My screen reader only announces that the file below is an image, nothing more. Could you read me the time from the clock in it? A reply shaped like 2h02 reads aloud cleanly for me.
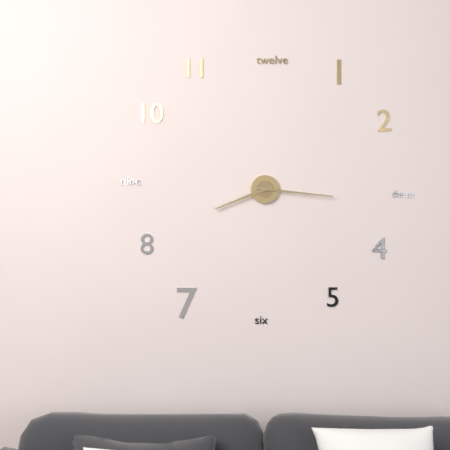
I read 8h16
